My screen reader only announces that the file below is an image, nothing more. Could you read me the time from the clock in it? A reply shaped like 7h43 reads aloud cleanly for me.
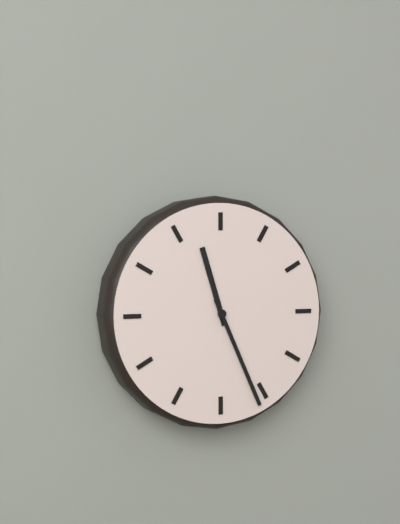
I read 11h26
